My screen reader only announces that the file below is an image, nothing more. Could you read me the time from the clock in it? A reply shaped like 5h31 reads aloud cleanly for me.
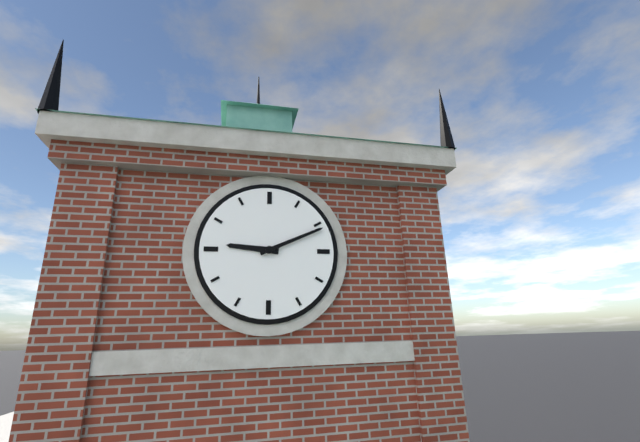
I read 9h11
